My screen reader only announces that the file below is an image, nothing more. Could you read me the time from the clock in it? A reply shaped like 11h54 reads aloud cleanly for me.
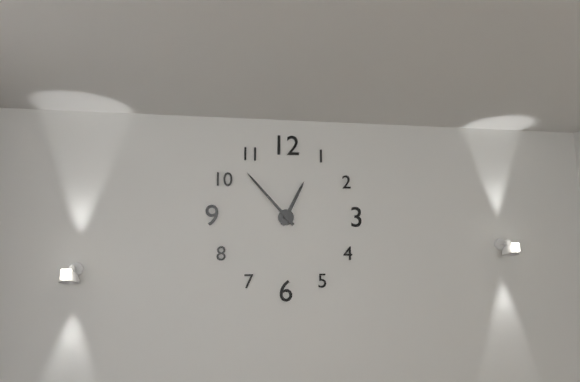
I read 12h53
